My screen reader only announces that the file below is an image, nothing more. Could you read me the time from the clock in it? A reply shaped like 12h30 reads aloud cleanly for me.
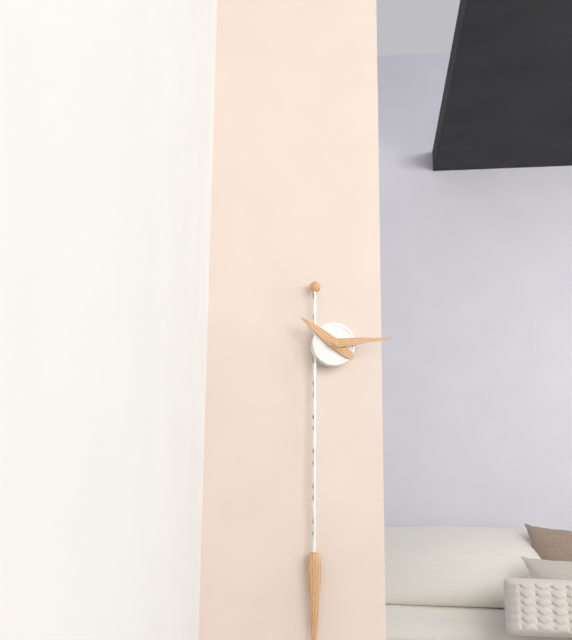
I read 10h14
